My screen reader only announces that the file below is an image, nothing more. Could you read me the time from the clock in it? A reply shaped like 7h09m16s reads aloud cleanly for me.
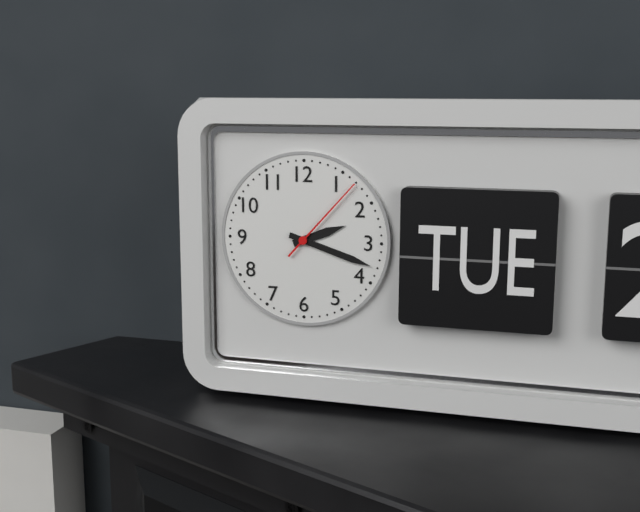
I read 2h18m07s
